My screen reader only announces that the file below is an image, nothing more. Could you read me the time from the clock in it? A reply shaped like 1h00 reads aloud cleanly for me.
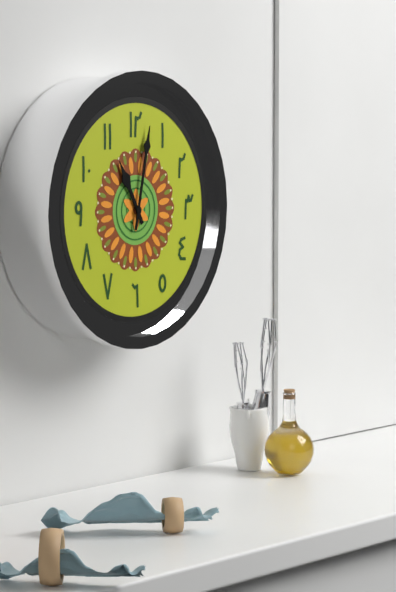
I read 11h02
